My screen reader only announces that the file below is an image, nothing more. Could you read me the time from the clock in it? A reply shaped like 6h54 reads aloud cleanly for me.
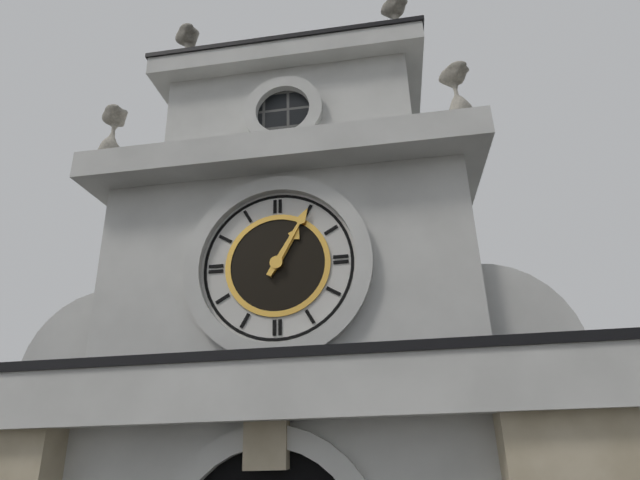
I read 1h05
